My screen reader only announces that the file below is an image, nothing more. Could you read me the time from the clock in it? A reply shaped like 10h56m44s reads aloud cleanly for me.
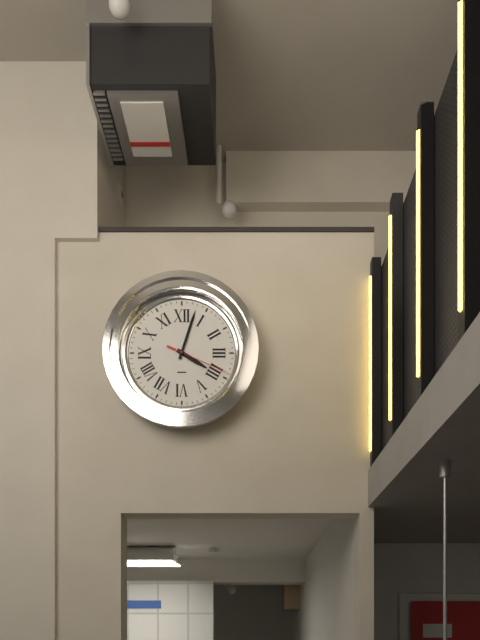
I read 4h03m19s
